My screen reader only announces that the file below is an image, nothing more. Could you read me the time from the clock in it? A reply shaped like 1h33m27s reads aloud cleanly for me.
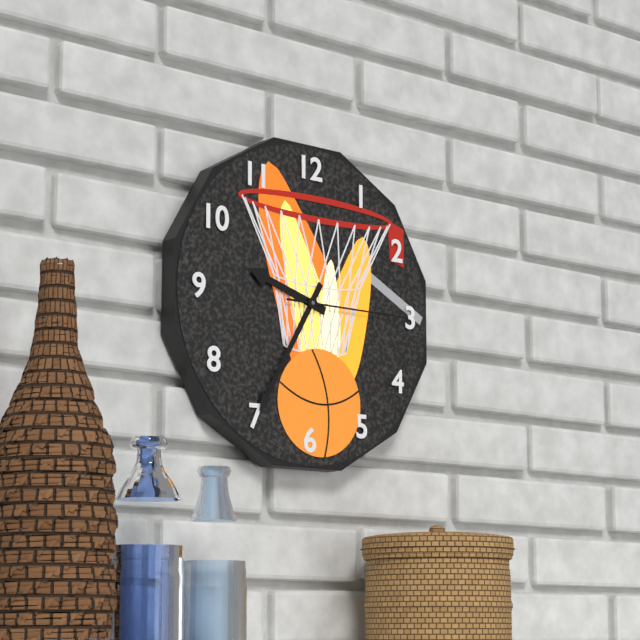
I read 9h35m15s
